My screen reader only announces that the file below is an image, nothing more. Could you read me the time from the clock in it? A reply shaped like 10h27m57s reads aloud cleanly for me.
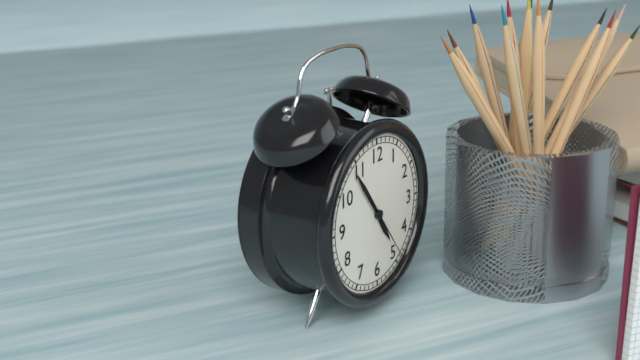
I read 4h54m24s
